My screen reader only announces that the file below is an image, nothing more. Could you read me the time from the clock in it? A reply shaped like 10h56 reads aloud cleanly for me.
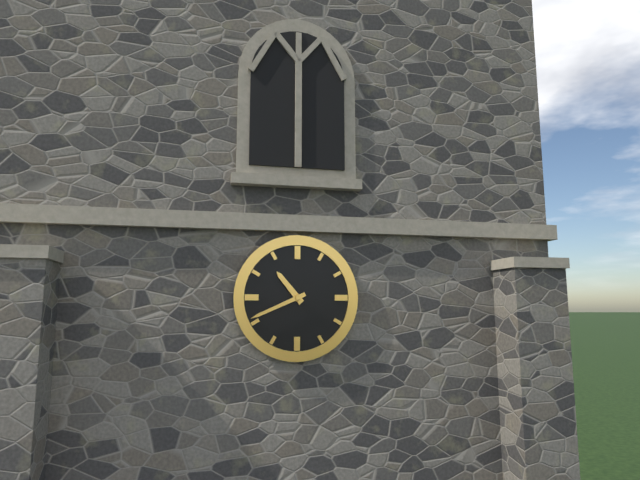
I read 10h41
